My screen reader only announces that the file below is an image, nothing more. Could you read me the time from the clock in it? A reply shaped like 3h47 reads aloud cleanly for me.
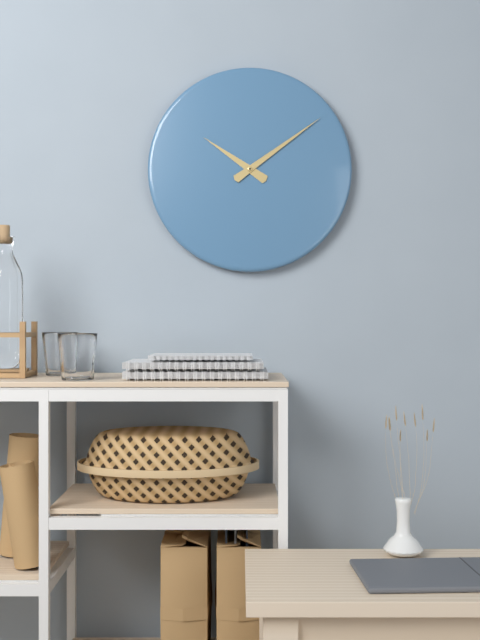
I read 10h09
